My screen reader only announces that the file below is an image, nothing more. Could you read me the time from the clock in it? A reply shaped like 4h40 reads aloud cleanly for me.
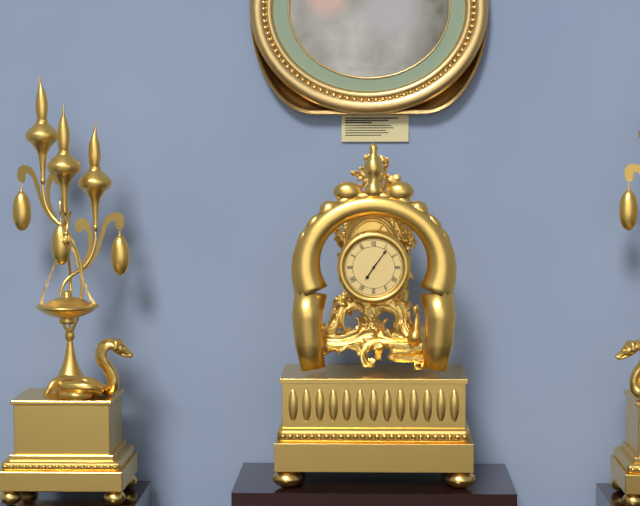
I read 7h06
